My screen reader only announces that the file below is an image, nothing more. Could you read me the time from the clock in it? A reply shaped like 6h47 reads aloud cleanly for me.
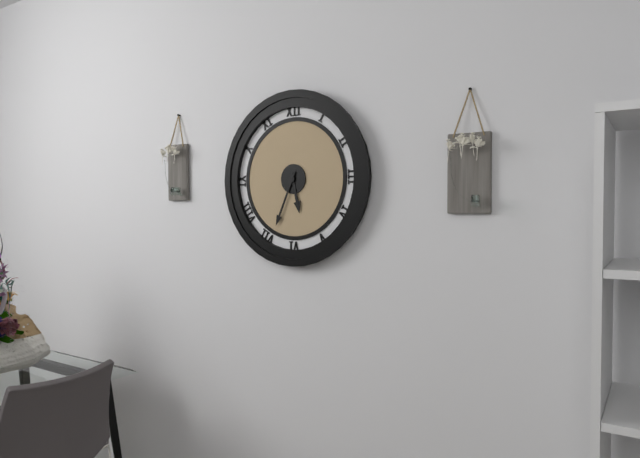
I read 5h34
